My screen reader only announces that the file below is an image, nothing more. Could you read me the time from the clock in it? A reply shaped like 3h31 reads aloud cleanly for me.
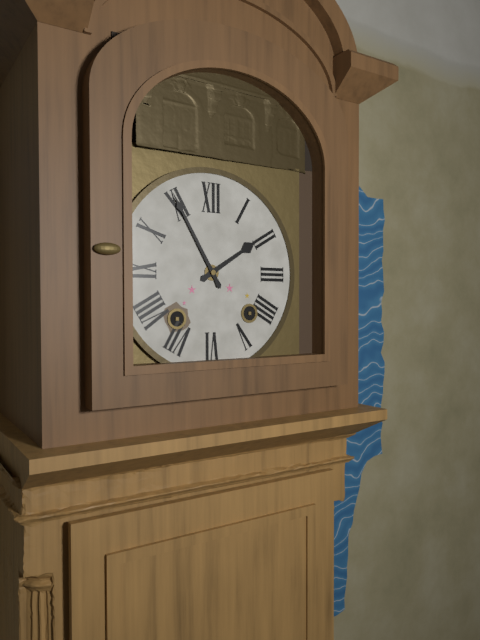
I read 1h55
